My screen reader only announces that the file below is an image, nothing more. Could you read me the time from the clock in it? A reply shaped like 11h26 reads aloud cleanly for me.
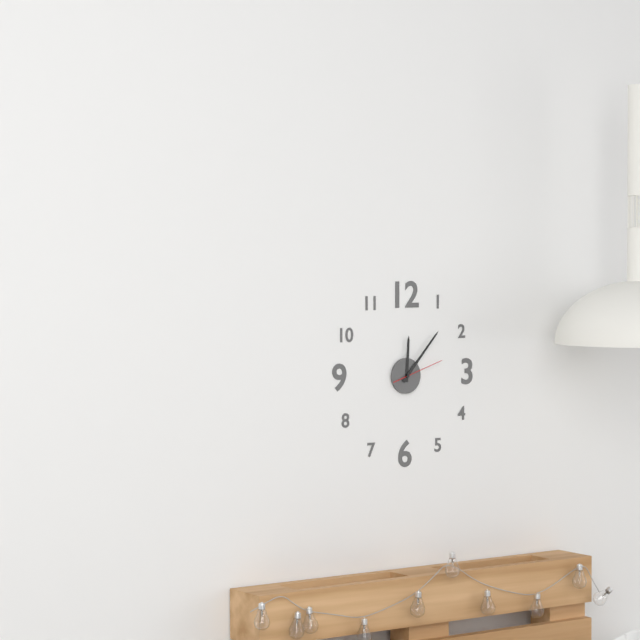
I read 12h07
